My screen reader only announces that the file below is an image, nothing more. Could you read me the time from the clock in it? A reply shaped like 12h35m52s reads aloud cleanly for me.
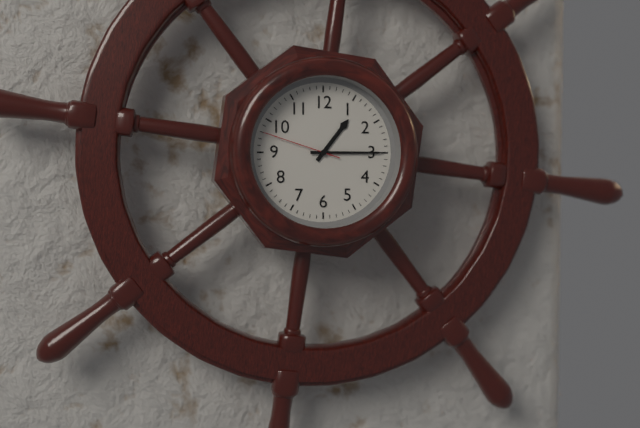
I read 1h15m48s
